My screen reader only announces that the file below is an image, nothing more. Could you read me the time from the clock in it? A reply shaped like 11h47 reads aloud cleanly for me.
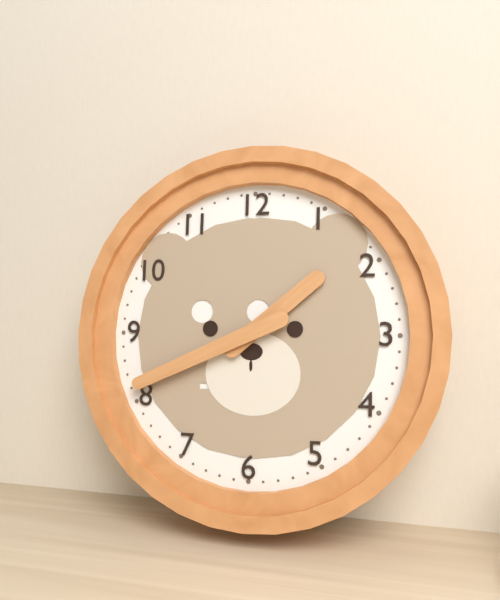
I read 1h41
